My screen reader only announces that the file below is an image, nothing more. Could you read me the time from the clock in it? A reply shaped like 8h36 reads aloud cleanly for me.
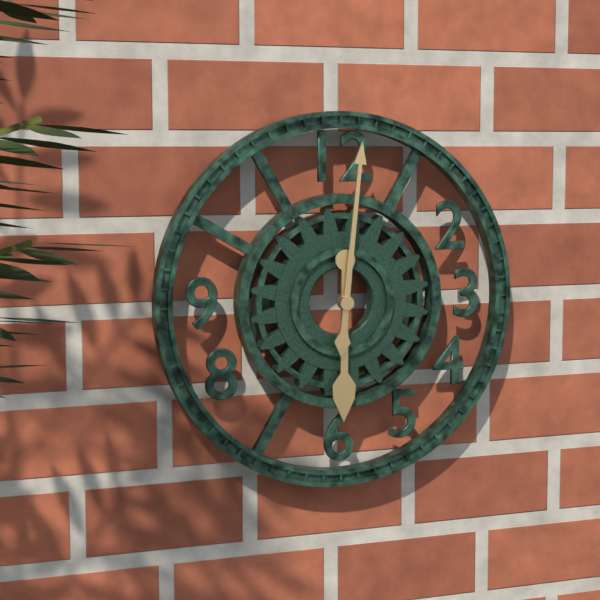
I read 6h01
